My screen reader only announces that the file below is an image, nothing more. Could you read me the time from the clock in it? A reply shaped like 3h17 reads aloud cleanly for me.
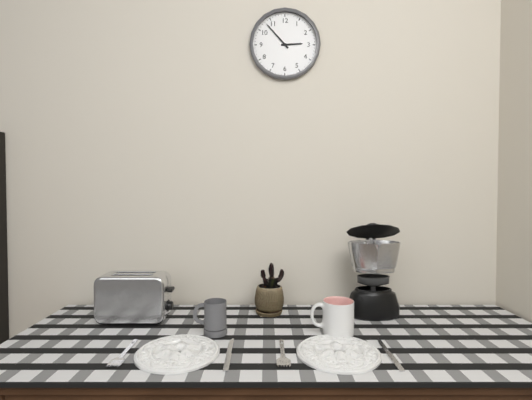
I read 2h53
